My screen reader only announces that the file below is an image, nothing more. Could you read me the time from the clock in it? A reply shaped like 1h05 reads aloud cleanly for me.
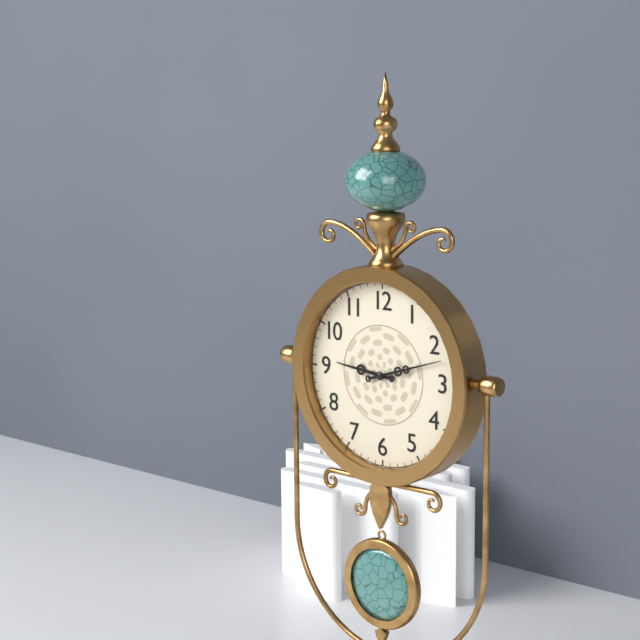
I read 9h12
